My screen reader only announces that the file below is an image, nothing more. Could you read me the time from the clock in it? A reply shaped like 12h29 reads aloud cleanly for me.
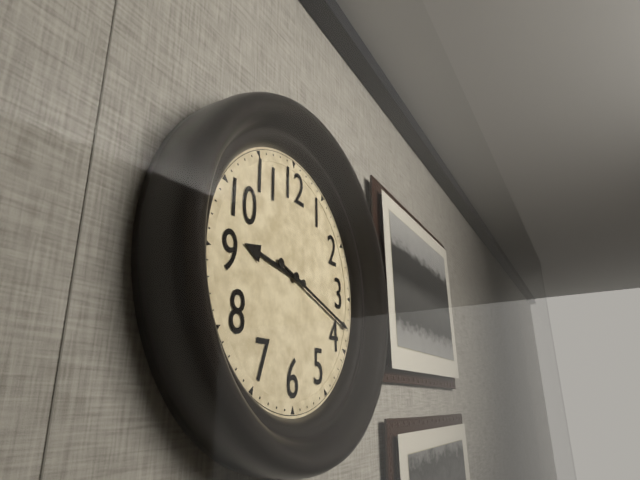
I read 9h18
